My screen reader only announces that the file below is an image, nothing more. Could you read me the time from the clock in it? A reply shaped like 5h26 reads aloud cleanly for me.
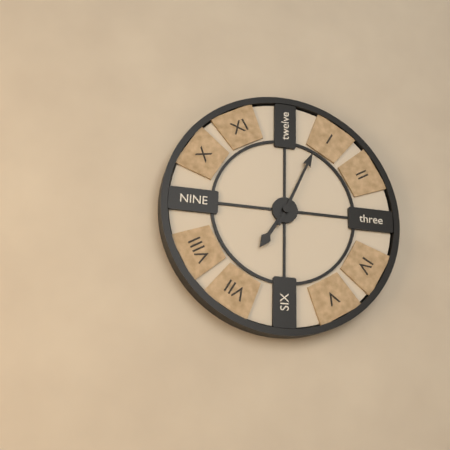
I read 7h04
